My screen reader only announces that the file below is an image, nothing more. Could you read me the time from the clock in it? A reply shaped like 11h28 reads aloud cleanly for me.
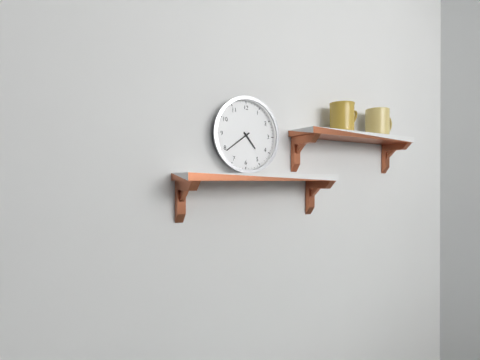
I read 4h39
